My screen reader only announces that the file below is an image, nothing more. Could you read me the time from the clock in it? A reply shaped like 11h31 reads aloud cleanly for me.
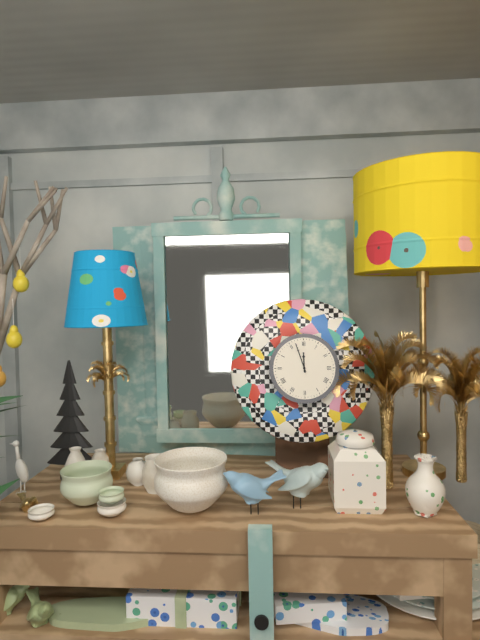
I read 11h57
